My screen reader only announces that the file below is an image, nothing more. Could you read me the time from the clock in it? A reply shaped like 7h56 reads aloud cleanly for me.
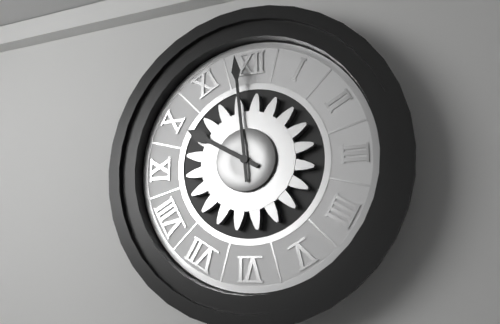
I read 9h59
